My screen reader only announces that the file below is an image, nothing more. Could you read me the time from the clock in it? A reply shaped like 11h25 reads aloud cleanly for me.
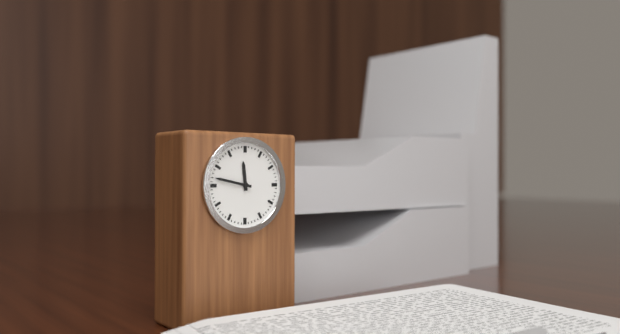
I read 11h47
